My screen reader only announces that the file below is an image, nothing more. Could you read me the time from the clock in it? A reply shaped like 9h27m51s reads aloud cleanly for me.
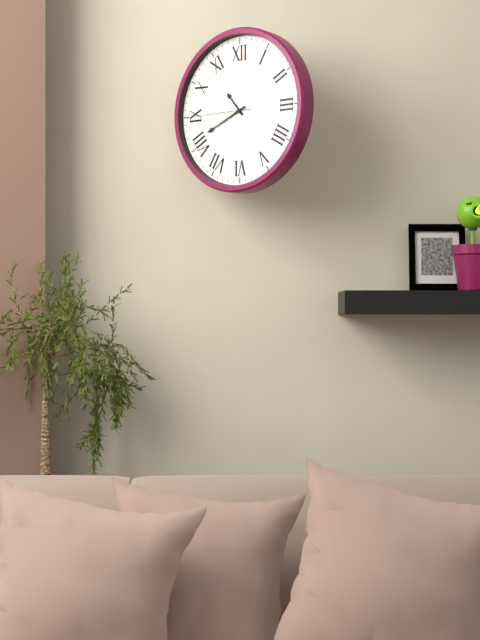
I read 10h41m45s
